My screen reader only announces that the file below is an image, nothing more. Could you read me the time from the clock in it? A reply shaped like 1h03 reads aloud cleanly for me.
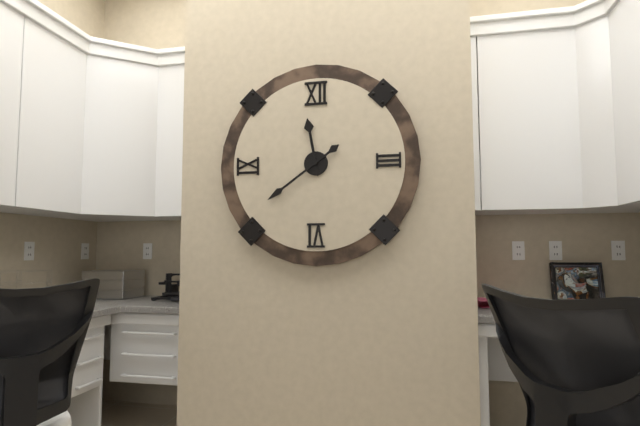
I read 11h39
